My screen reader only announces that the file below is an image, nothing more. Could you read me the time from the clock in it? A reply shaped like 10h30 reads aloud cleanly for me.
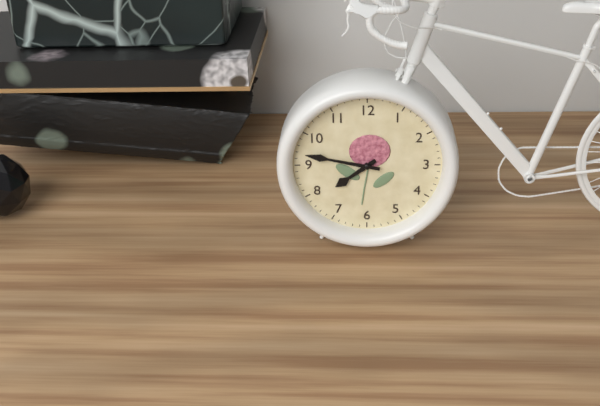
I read 7h47
